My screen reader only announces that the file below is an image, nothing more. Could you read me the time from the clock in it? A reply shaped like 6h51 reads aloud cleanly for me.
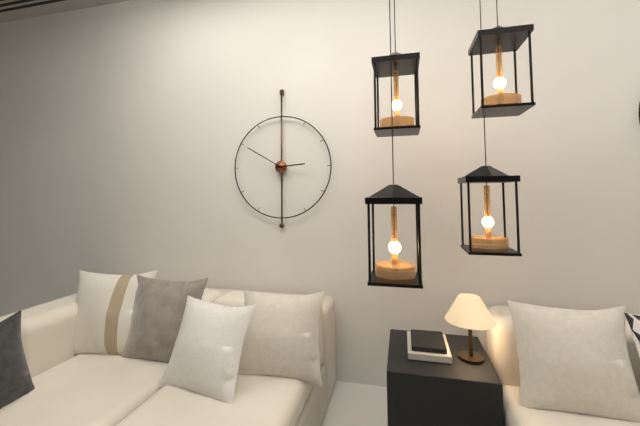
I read 2h50
